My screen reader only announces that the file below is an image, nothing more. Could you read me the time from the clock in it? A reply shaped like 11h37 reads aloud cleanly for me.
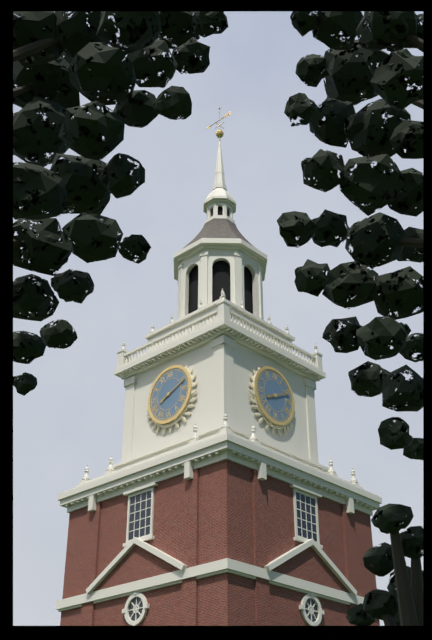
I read 8h11
